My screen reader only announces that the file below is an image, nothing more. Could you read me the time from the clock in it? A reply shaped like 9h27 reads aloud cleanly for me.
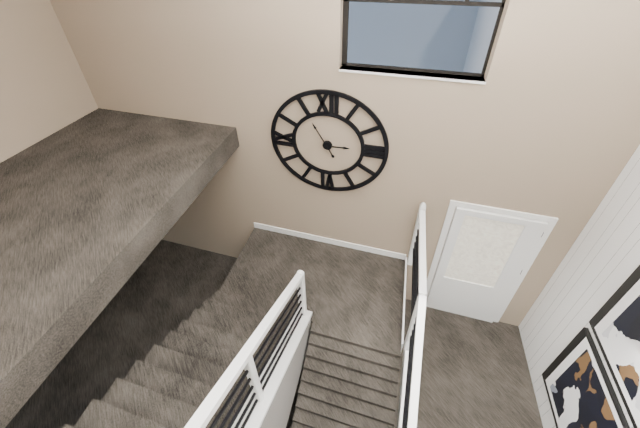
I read 2h55
